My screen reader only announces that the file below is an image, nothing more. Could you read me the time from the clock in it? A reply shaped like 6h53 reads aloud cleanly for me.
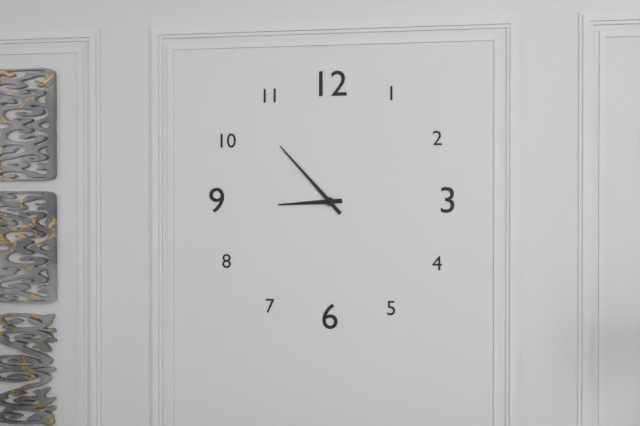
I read 8h53
